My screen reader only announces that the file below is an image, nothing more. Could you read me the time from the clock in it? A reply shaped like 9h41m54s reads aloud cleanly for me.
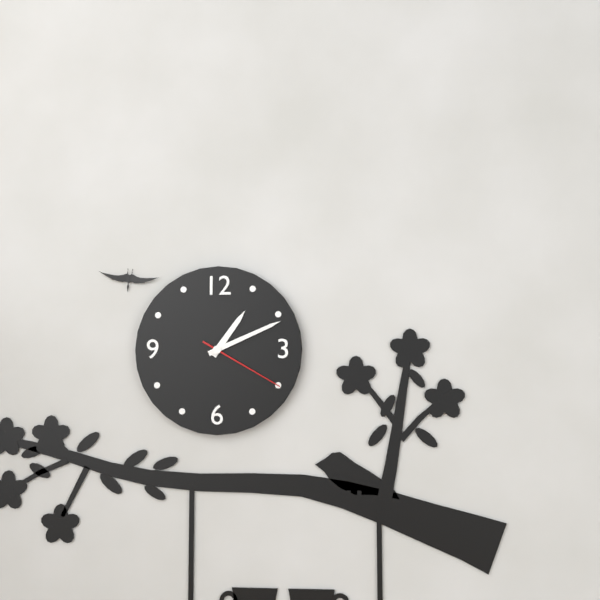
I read 1h11m20s
